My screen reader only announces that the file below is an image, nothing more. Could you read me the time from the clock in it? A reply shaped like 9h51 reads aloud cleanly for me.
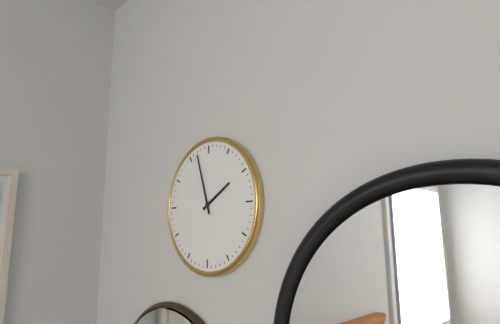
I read 1h57
